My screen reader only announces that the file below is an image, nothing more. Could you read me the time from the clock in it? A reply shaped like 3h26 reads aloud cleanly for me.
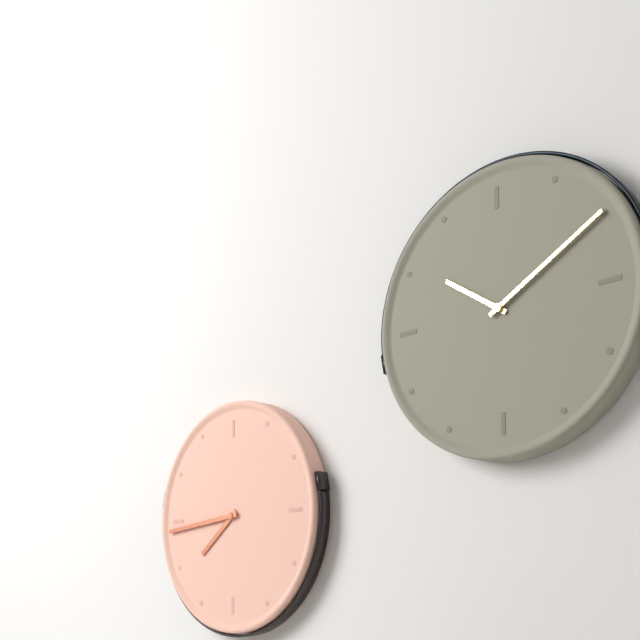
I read 7h44
